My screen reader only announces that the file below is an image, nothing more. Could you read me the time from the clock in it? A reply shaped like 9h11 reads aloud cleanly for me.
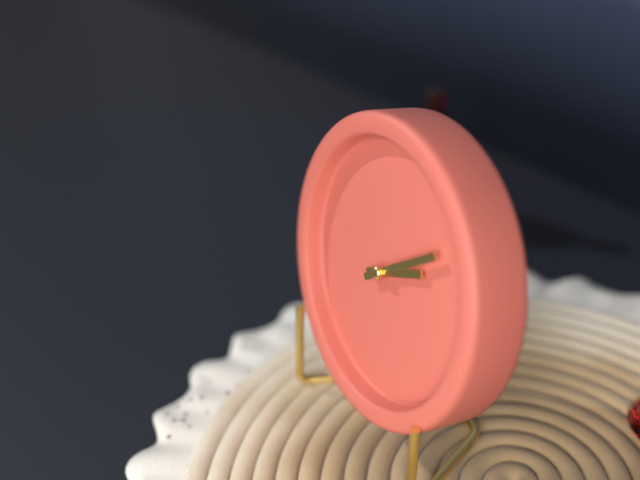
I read 2h09
